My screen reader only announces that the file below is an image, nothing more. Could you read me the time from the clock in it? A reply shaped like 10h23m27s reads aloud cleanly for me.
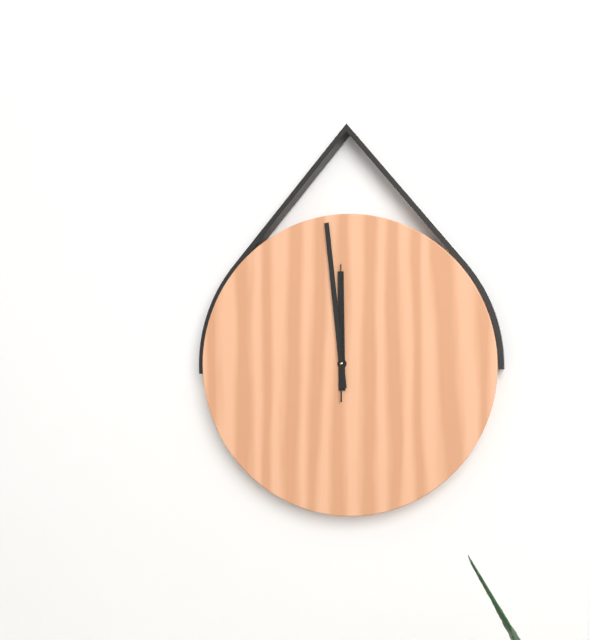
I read 11h59m00s
